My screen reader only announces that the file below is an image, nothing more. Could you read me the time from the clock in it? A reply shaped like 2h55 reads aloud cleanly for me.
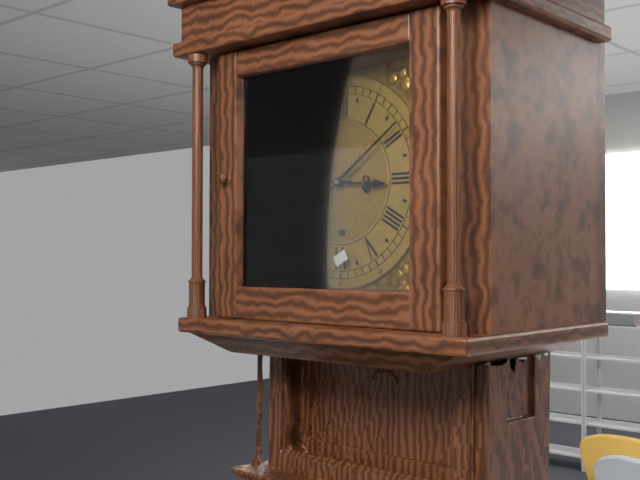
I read 3h09
